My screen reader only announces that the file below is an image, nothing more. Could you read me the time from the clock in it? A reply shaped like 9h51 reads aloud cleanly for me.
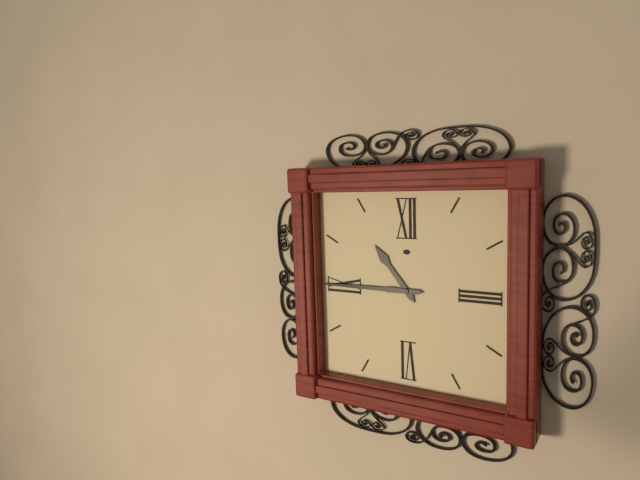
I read 10h45
